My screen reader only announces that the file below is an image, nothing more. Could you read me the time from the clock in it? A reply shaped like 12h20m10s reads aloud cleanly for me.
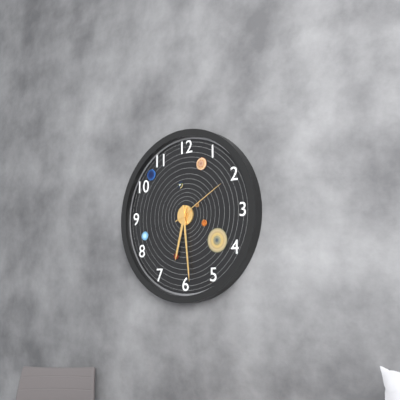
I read 6h29m10s
